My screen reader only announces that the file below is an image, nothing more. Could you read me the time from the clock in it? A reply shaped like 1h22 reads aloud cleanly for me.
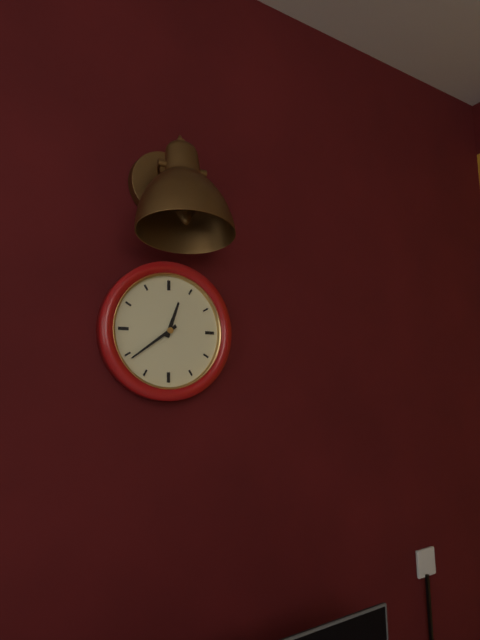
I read 12h39
